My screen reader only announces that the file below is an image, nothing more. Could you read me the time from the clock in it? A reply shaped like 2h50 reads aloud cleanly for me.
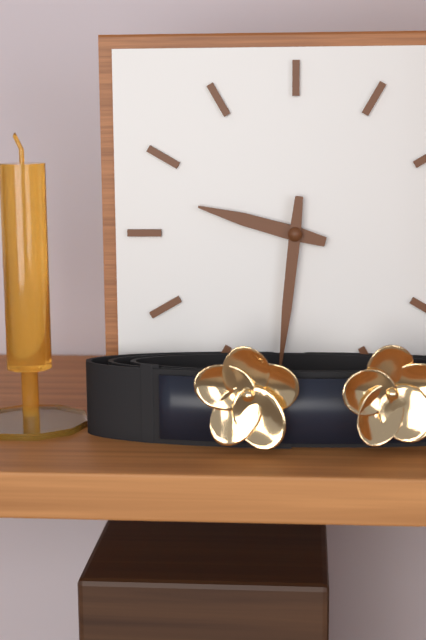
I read 9h31
